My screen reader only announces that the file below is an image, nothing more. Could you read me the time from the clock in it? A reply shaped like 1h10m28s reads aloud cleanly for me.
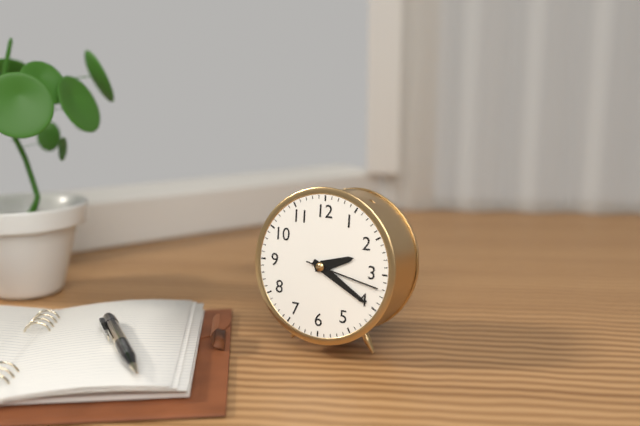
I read 2h20m17s
